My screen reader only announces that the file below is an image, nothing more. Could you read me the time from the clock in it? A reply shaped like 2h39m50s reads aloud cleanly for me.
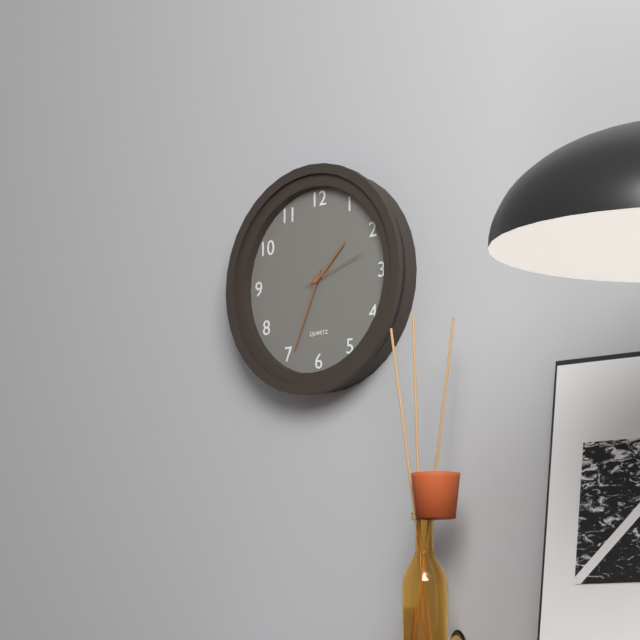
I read 1h34m12s
